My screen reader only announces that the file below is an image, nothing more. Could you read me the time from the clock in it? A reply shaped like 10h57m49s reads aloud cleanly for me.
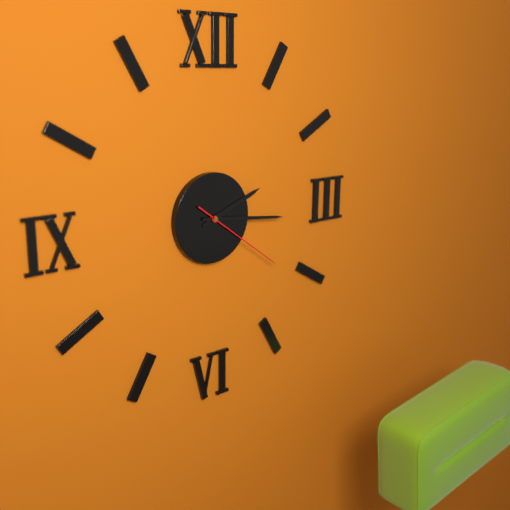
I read 2h16m21s
